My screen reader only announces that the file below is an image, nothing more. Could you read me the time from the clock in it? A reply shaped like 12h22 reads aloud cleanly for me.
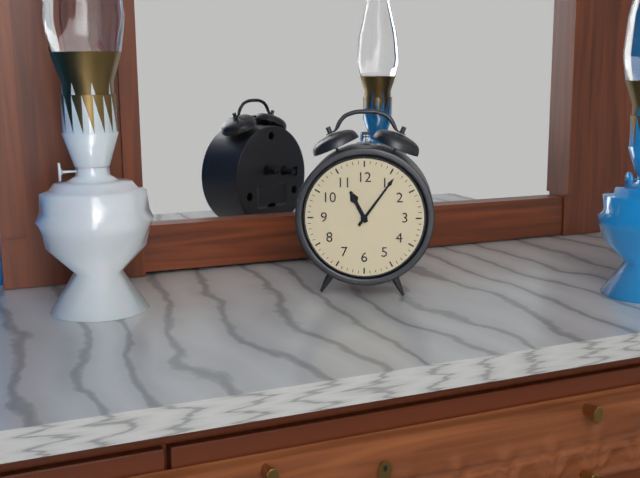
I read 11h06
